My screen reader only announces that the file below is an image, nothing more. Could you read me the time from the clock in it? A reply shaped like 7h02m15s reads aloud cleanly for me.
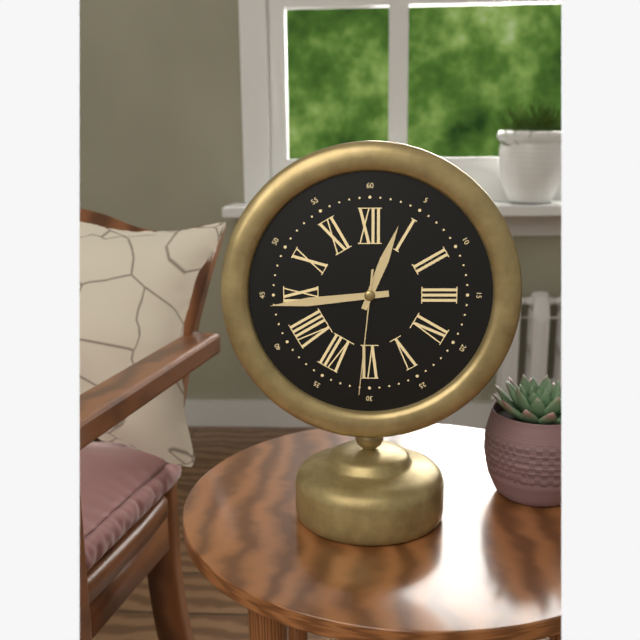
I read 12h44m31s
